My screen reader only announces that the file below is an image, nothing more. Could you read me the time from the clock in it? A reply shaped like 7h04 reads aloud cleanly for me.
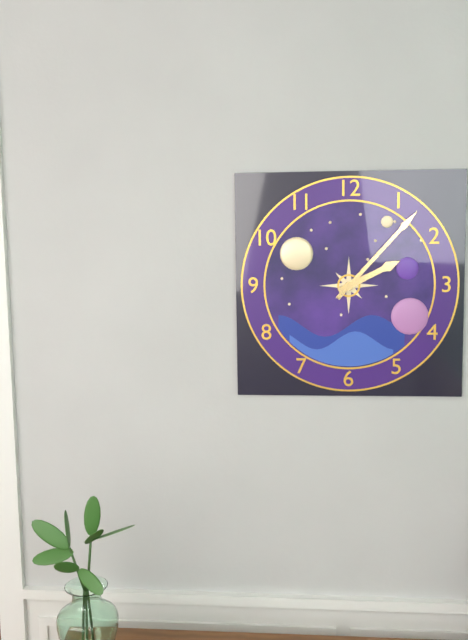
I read 2h07
